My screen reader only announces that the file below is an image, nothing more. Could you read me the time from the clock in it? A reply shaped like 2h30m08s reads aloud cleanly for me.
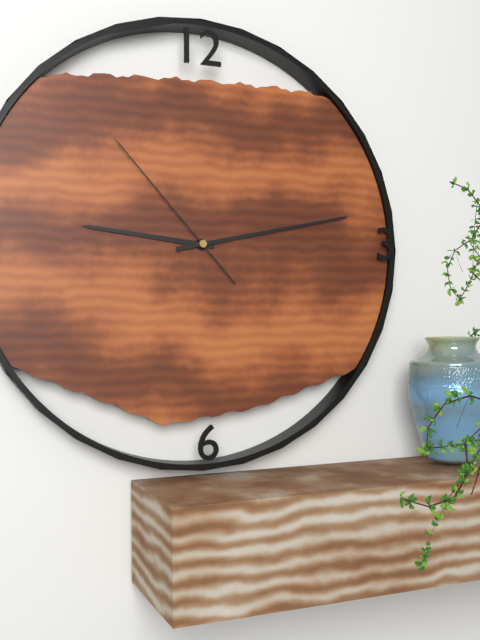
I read 9h13m53s
